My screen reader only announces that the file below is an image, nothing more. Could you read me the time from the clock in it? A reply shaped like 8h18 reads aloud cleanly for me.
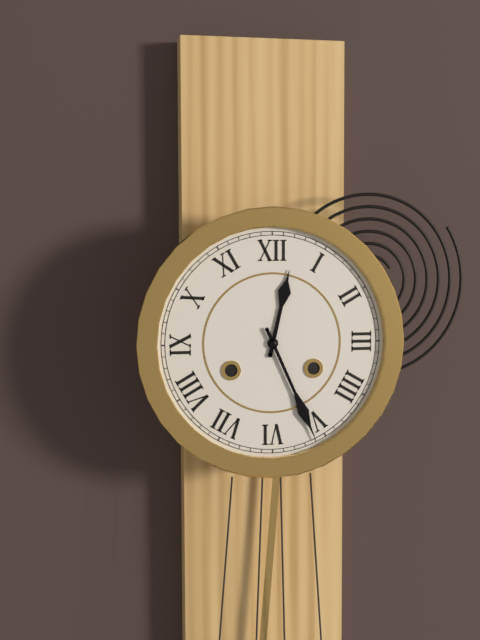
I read 12h26
